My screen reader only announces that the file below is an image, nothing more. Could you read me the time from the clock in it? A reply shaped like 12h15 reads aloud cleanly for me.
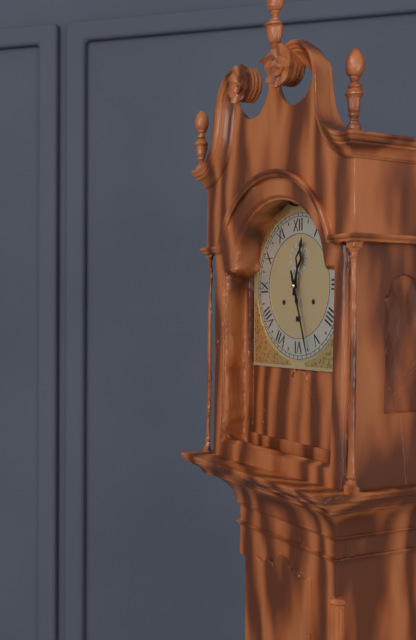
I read 12h27
